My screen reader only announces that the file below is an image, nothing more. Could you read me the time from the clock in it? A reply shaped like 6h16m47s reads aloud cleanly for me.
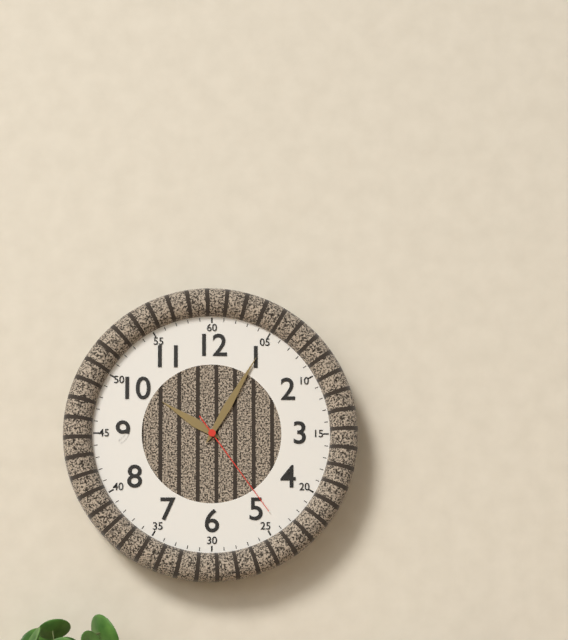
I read 10h05m24s
